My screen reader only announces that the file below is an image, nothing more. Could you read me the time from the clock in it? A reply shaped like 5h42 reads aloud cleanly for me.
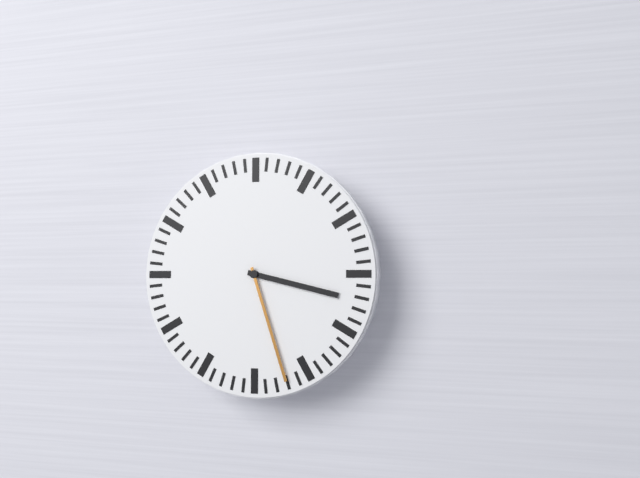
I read 3h27
